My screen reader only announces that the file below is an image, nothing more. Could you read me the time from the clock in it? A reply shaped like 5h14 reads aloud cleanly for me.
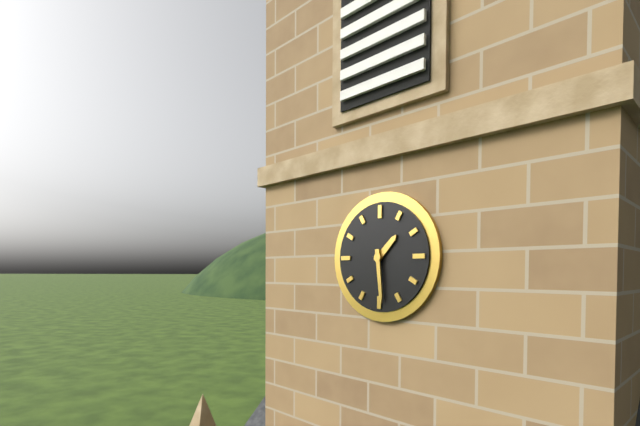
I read 1h29
